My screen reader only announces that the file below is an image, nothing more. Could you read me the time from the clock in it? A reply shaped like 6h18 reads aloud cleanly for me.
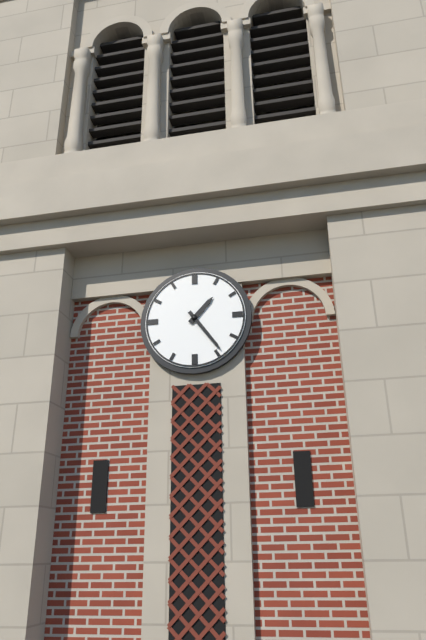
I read 1h24
